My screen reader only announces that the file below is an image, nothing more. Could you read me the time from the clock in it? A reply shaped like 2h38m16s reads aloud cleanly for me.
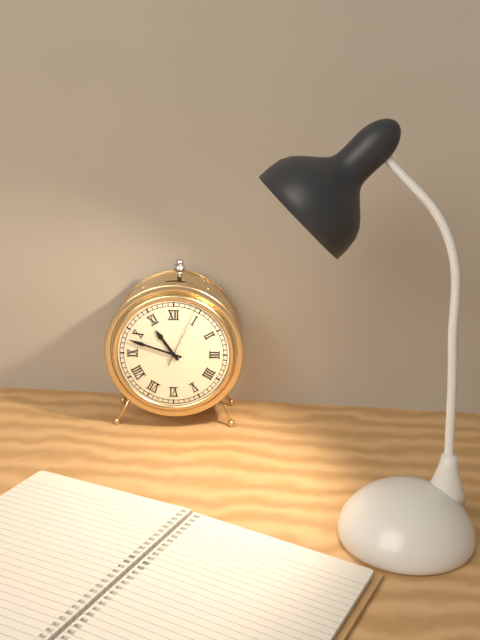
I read 10h48m04s
